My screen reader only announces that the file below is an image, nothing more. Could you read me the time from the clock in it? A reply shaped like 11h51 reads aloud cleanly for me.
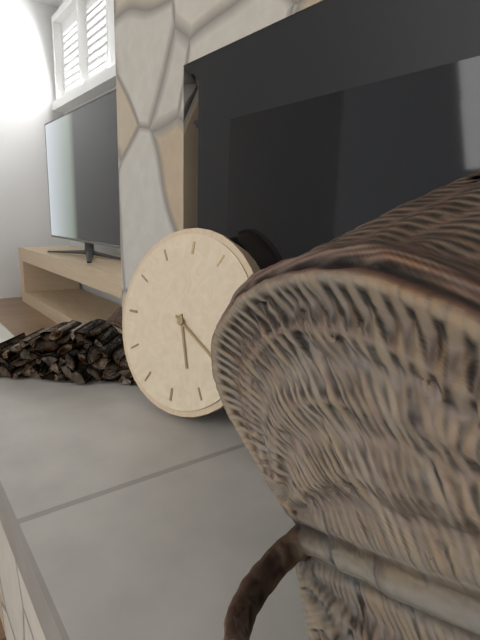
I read 5h20
